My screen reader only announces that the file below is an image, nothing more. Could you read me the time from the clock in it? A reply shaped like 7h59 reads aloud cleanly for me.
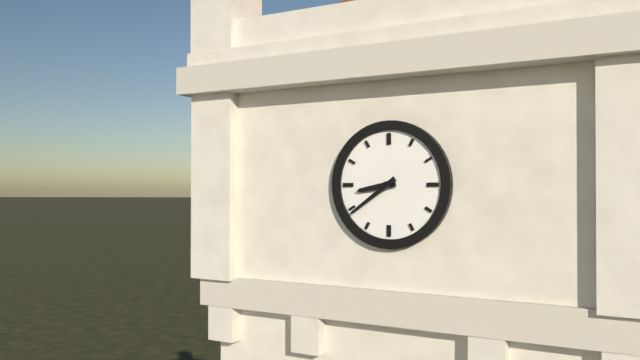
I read 8h39
